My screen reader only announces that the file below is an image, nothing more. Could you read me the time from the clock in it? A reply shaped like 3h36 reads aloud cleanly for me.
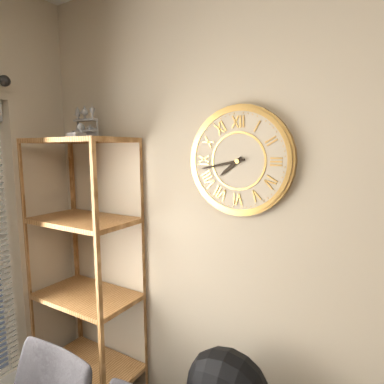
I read 7h43
